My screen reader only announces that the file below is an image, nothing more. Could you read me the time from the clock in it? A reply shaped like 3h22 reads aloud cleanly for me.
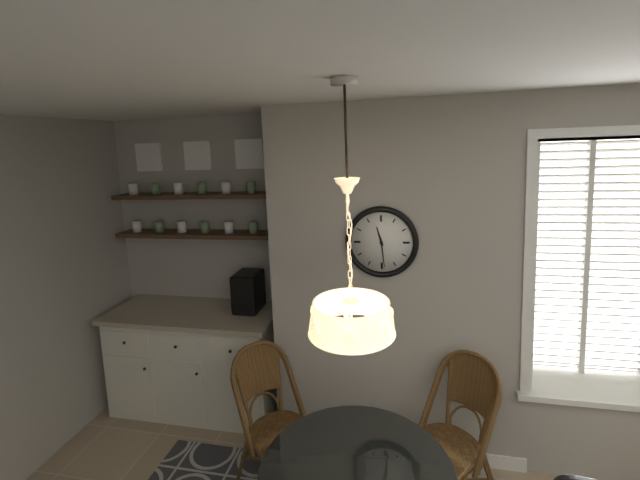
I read 11h29
